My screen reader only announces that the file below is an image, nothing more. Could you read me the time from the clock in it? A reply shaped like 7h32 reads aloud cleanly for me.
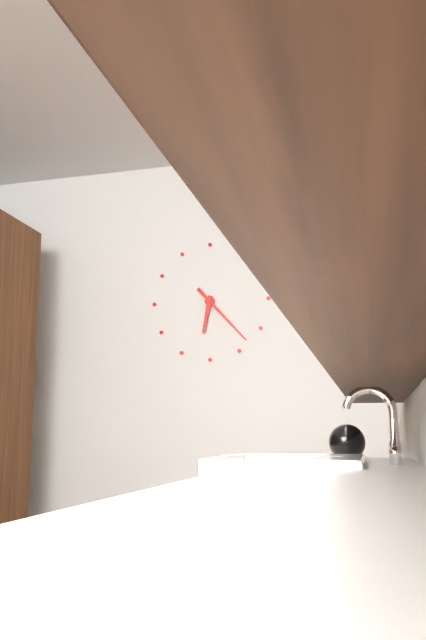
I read 6h23
